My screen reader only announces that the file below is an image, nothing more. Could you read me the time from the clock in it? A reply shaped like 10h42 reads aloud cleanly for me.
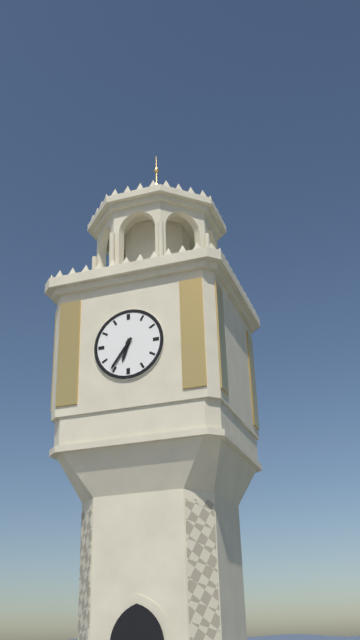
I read 6h36
